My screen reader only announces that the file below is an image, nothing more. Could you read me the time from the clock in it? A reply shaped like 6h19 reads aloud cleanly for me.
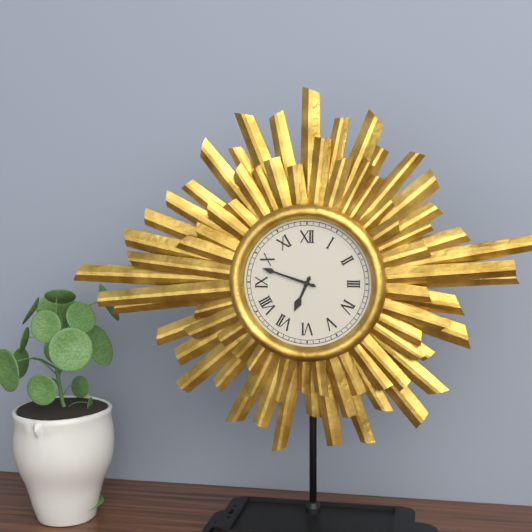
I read 6h48
